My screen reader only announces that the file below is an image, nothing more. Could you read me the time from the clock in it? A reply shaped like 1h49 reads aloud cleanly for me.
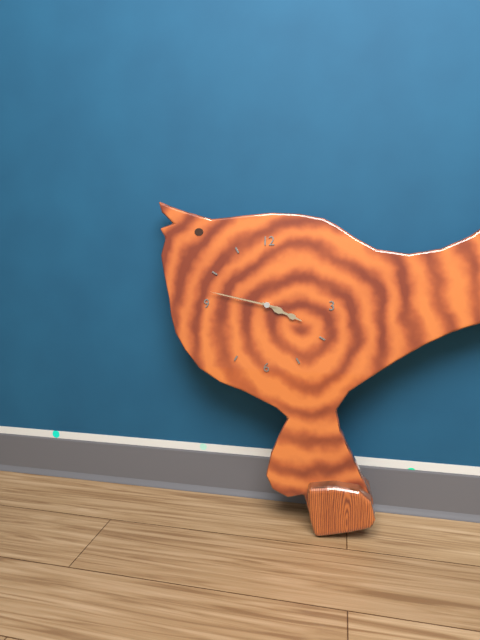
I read 3h47
